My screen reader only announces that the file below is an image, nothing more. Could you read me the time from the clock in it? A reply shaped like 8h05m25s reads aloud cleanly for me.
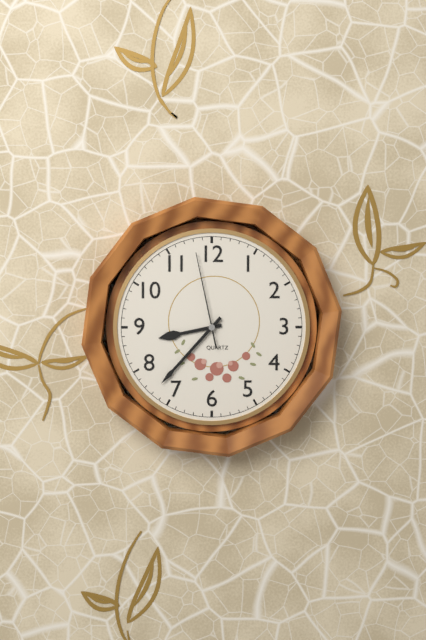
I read 8h37m58s
